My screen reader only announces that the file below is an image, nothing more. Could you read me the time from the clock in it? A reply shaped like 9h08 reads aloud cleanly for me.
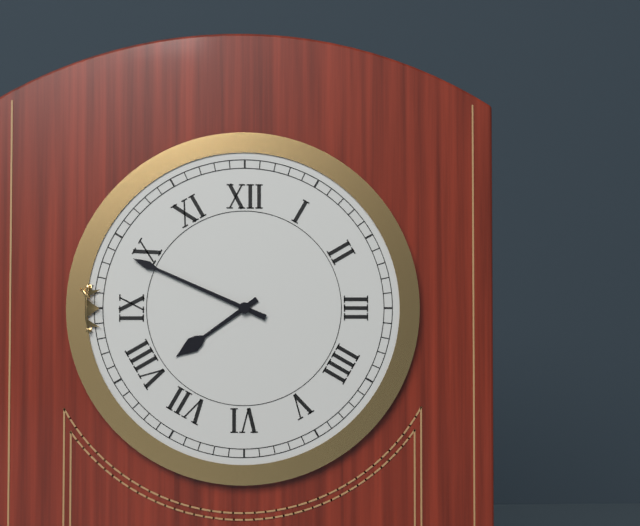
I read 7h49
